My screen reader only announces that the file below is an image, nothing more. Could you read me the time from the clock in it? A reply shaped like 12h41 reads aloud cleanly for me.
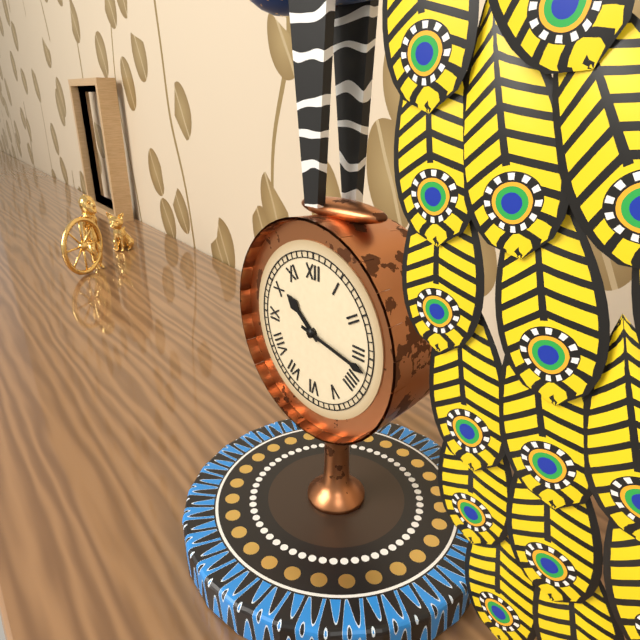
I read 10h17
